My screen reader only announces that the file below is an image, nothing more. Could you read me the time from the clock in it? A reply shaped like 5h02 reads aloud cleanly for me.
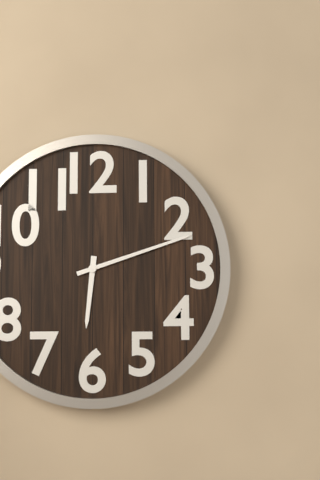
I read 6h12
